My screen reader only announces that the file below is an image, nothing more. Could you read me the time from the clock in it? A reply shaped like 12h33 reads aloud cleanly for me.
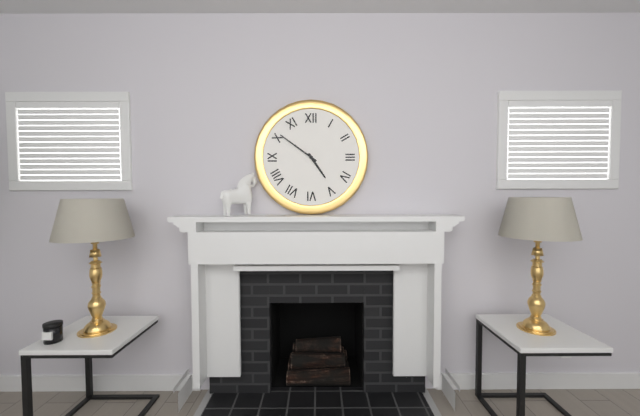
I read 4h51
